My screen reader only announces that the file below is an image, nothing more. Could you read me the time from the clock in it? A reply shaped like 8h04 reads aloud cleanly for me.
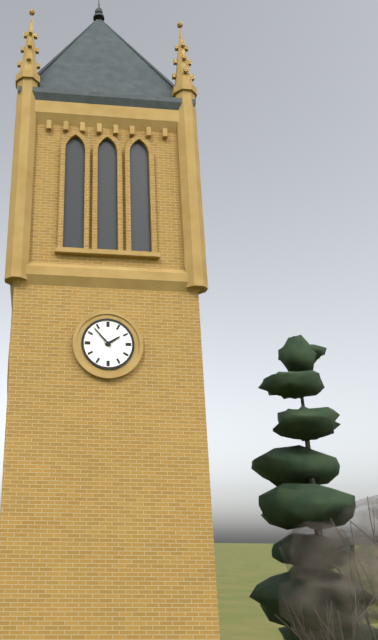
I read 1h53
